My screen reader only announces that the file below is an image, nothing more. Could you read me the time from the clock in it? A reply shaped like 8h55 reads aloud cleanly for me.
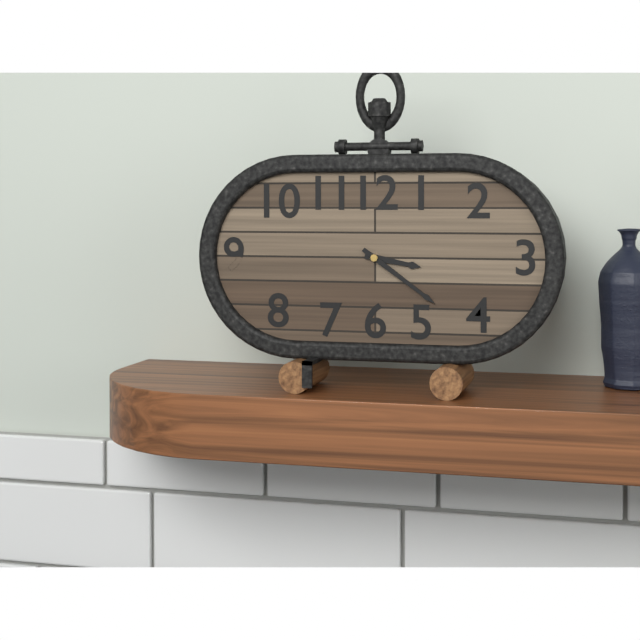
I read 3h21
